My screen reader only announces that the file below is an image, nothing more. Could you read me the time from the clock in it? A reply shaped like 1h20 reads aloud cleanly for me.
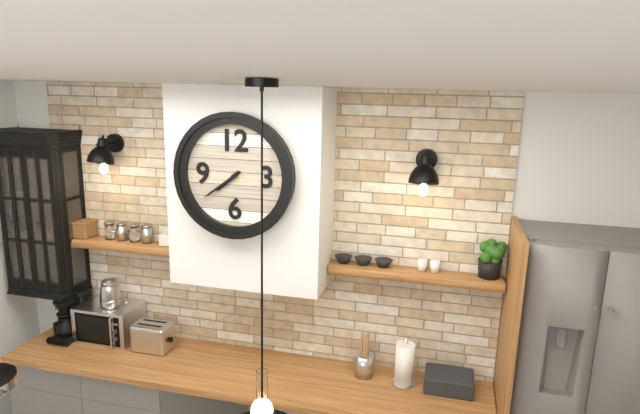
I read 7h39
